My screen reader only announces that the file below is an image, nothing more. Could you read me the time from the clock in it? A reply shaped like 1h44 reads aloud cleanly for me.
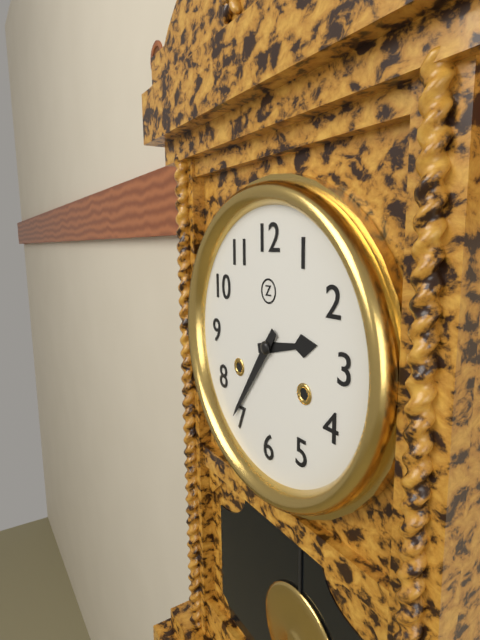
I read 2h36
